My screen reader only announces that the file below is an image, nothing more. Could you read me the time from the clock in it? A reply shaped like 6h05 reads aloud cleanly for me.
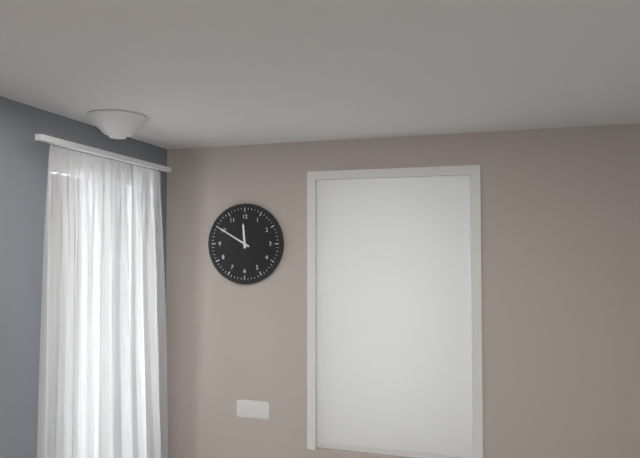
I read 11h50
